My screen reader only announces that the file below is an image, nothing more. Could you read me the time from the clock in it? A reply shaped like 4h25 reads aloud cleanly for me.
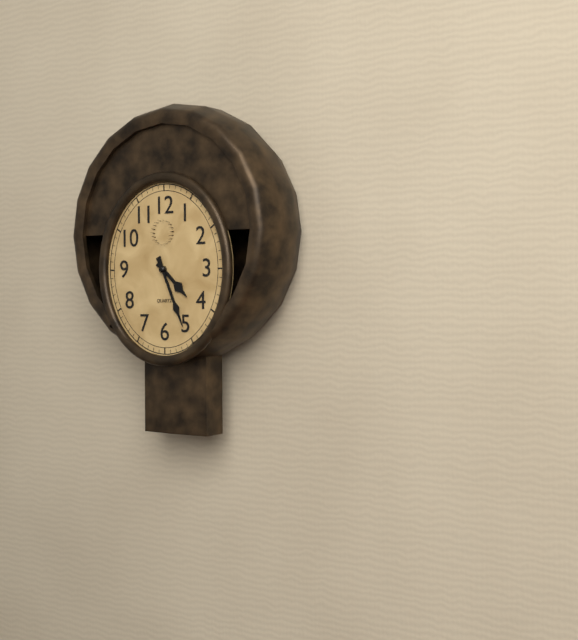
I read 4h26
